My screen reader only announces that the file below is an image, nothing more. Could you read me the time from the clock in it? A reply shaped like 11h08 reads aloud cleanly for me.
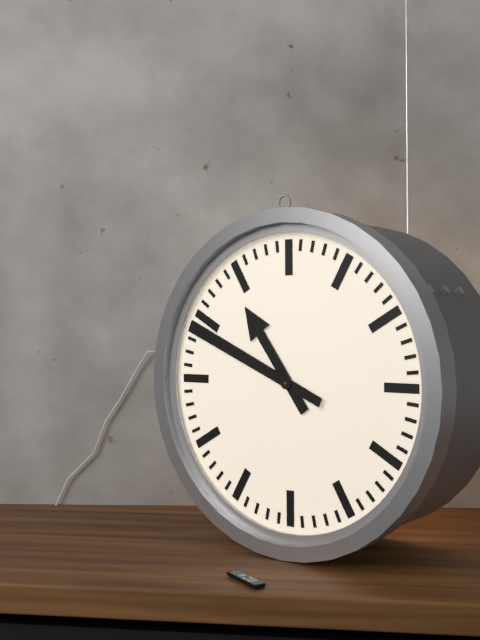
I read 10h49
